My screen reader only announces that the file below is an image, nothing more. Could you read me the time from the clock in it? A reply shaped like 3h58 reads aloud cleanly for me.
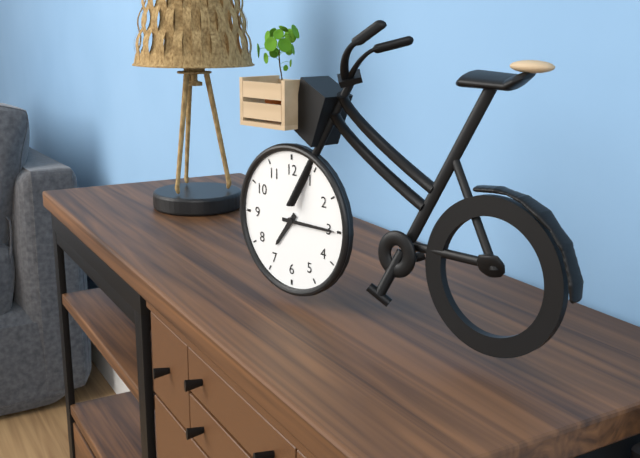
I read 7h15
